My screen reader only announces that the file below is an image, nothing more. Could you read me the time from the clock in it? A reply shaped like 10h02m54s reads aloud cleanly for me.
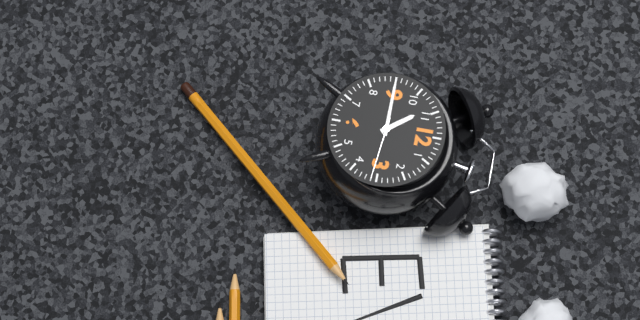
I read 10h45m16s
